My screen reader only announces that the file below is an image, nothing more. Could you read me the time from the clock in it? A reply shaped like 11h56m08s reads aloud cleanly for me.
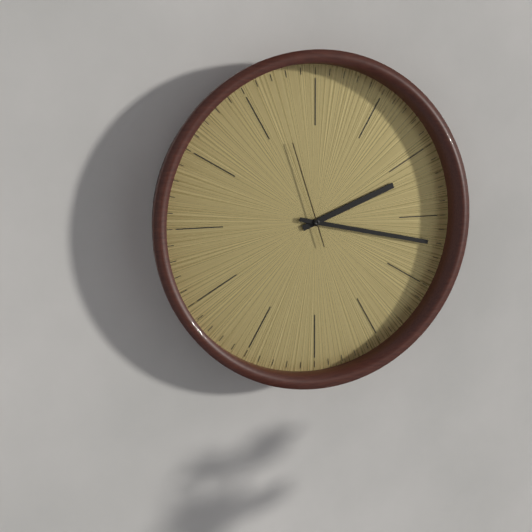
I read 2h17m57s
